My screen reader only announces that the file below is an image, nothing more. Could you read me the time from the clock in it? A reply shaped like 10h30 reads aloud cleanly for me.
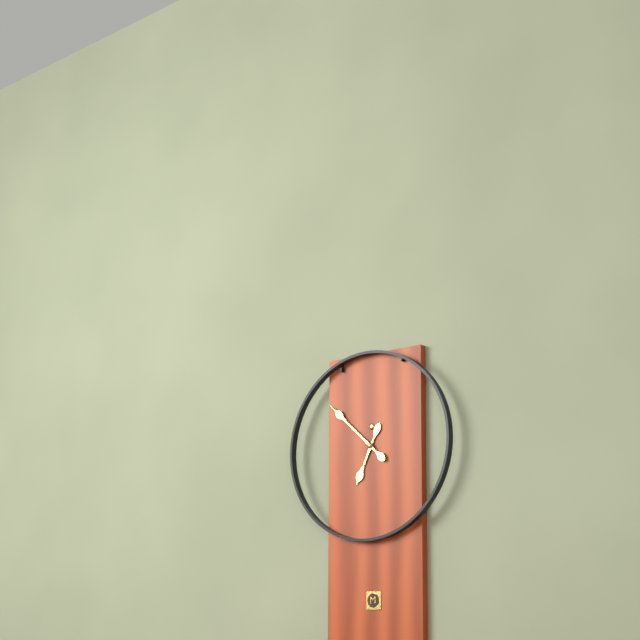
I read 6h52
